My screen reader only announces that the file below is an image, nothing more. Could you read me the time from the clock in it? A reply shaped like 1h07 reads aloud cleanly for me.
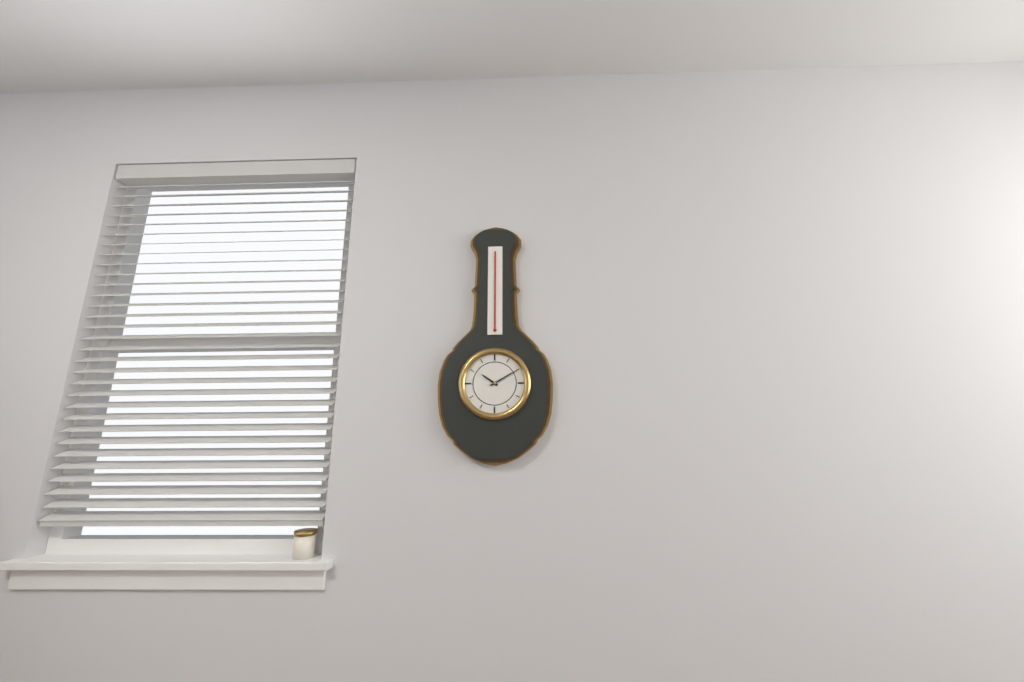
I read 10h10
